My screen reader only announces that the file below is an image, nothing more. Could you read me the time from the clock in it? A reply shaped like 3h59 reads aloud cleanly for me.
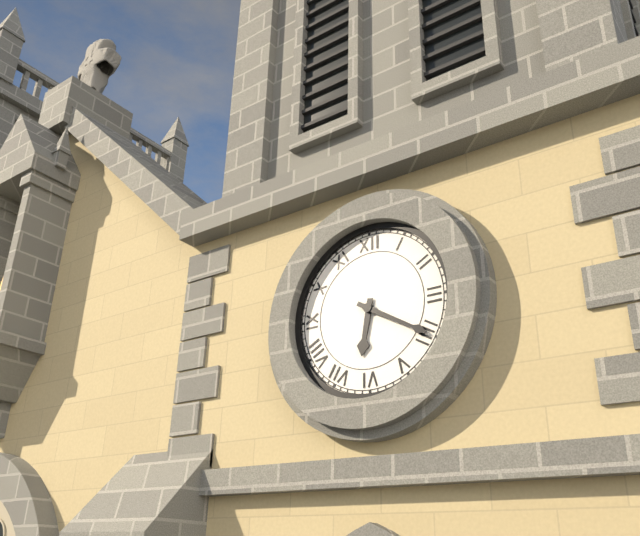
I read 6h20
